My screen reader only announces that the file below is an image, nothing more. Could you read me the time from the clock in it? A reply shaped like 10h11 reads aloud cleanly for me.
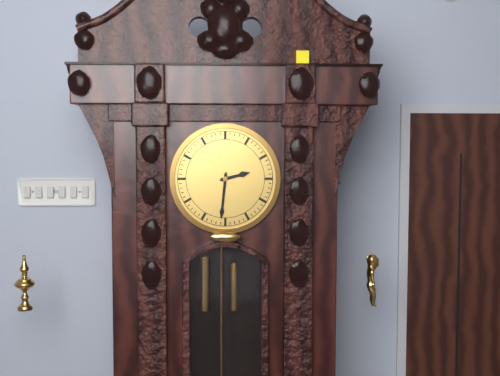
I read 2h31
